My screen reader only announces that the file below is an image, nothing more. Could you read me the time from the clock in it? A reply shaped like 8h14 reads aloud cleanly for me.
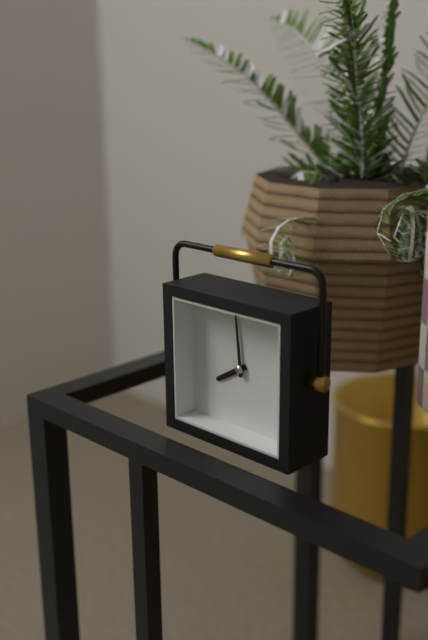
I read 7h59
